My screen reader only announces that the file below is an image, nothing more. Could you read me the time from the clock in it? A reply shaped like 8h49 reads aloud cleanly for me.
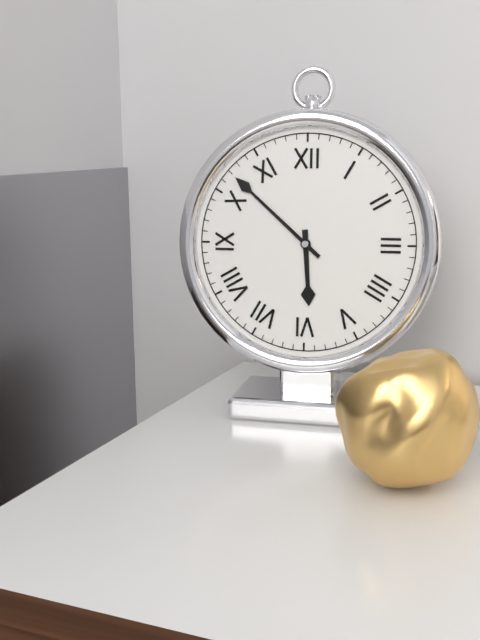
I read 5h52
